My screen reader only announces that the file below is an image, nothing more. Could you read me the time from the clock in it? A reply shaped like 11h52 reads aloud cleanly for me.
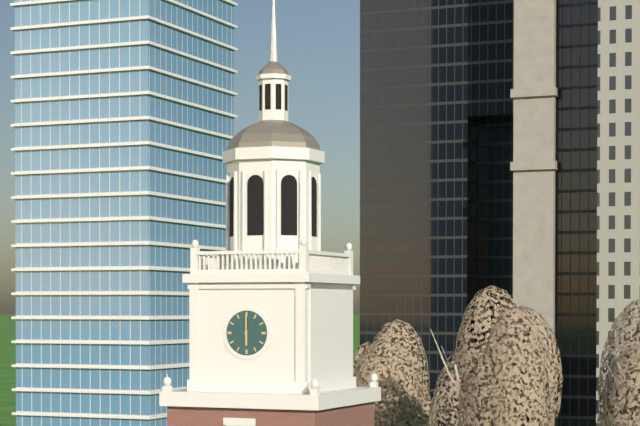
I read 6h00
